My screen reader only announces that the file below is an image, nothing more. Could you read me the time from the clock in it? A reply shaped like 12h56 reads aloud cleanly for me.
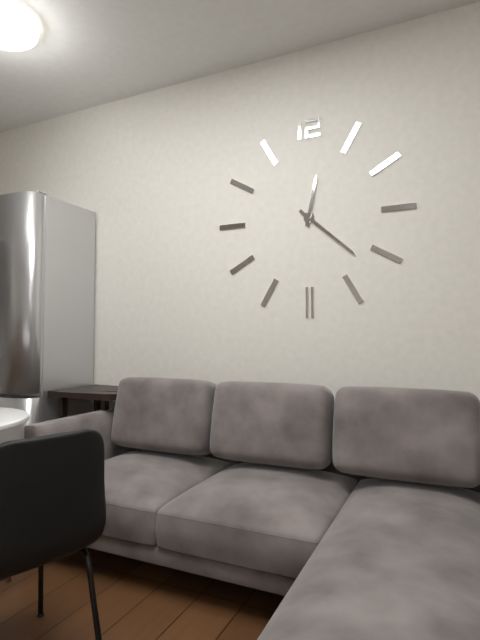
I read 12h22
